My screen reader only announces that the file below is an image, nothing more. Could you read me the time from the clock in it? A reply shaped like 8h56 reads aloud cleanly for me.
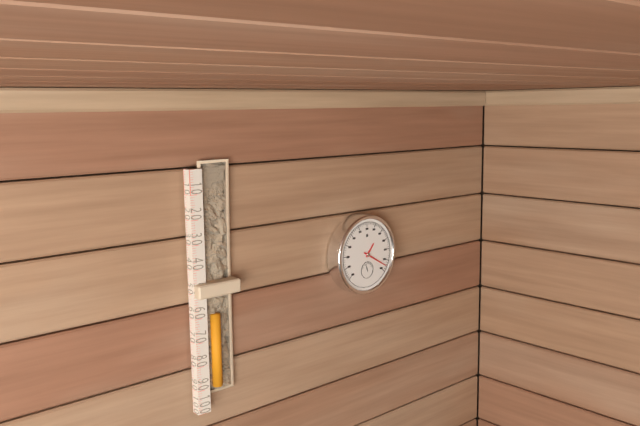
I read 1h20
